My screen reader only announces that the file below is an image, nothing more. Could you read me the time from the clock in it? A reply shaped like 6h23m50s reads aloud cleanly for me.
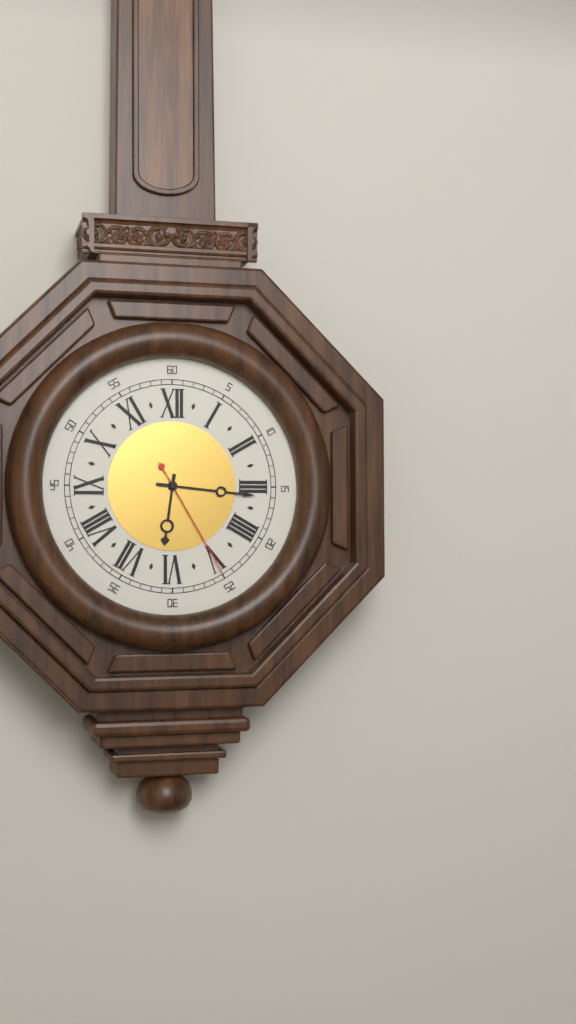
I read 6h16m25s
